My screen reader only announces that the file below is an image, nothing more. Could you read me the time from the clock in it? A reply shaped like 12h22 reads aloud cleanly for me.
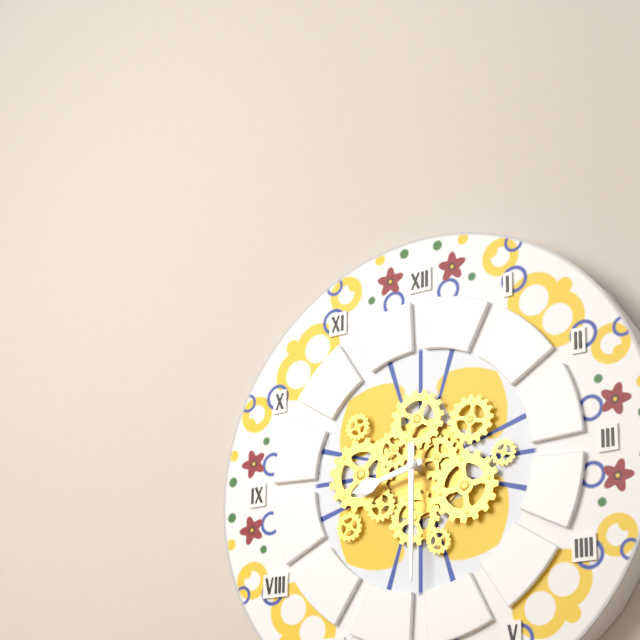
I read 8h30
